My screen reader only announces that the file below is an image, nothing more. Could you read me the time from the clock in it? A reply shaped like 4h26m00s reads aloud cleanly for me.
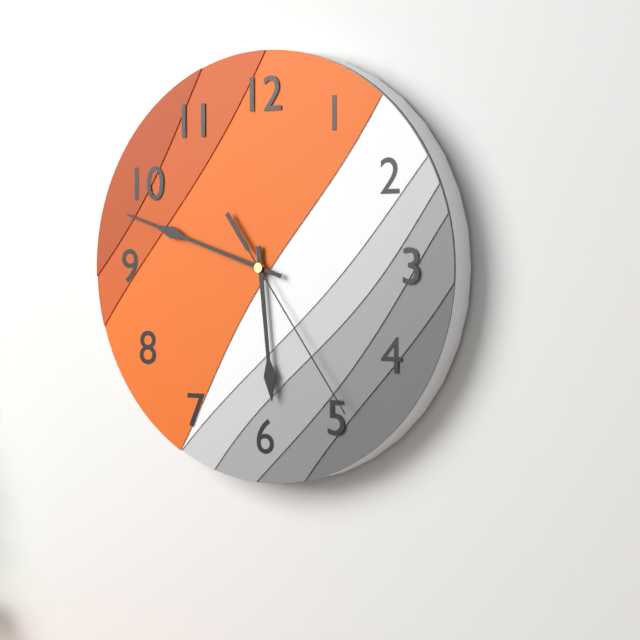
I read 5h48m24s
